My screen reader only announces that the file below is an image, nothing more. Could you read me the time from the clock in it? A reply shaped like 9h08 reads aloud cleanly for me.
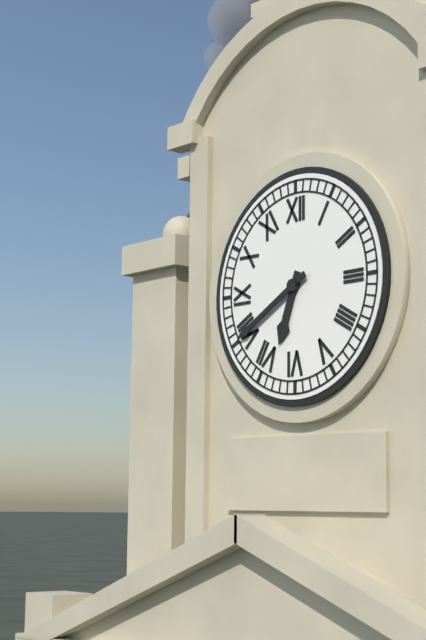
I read 6h40
